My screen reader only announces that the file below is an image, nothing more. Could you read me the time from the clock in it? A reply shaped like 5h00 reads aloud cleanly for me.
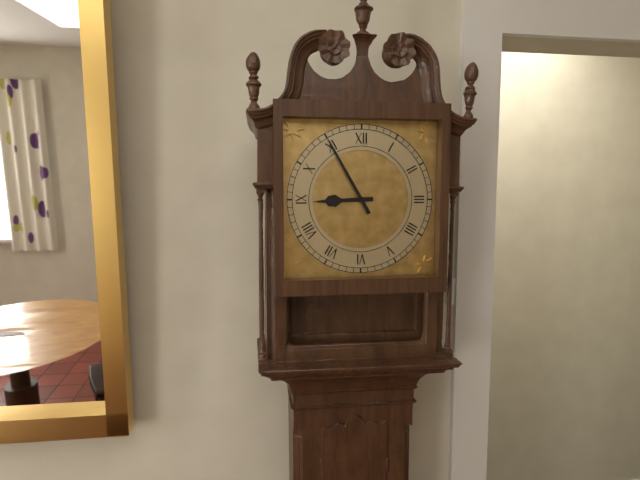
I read 8h55
